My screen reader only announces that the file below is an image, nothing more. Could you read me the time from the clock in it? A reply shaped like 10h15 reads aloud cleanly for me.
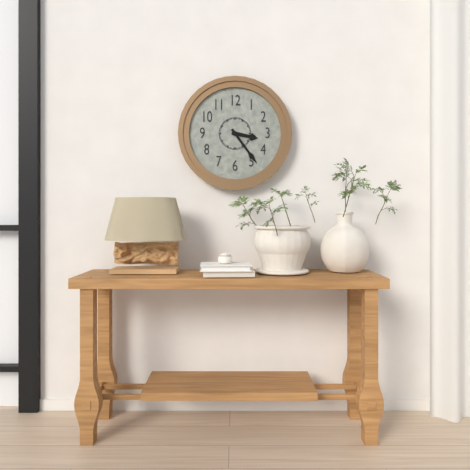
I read 3h24
